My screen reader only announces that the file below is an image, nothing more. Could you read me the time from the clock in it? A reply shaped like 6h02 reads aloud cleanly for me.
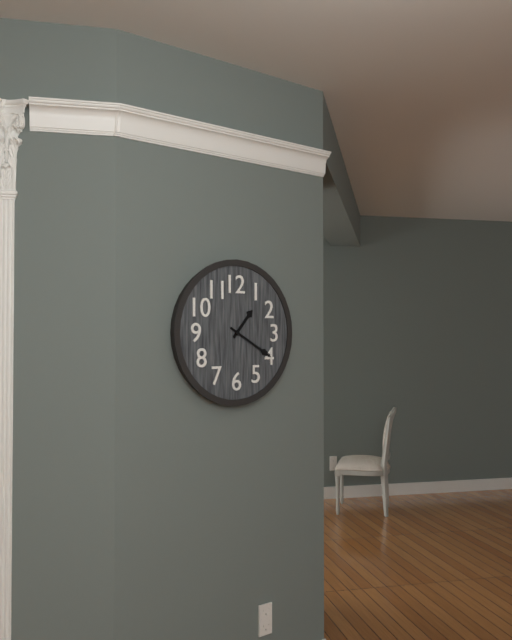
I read 1h20
